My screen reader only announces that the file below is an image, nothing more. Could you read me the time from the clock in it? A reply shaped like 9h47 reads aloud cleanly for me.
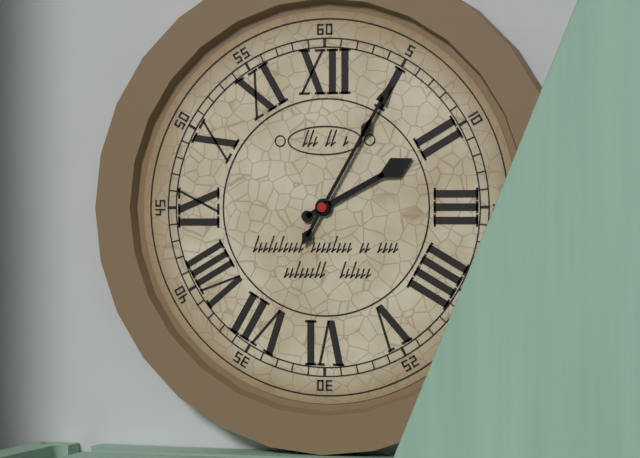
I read 2h05
